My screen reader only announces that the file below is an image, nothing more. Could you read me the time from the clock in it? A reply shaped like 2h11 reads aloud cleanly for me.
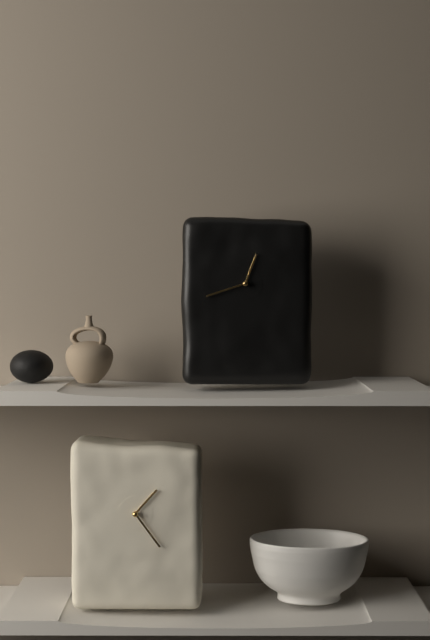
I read 12h42
